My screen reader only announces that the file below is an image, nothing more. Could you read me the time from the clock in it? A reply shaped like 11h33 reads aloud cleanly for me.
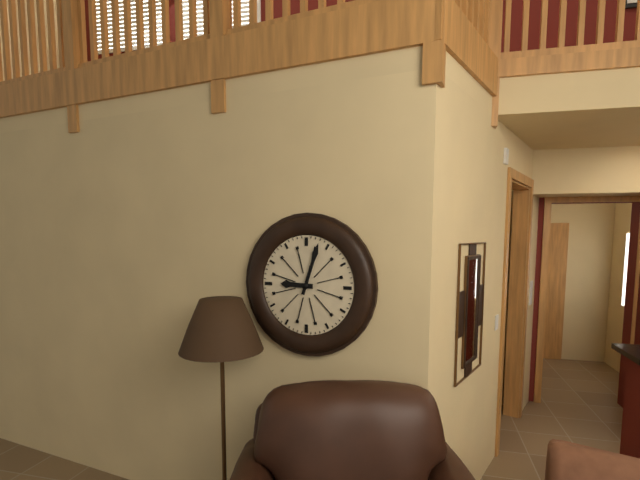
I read 9h03
